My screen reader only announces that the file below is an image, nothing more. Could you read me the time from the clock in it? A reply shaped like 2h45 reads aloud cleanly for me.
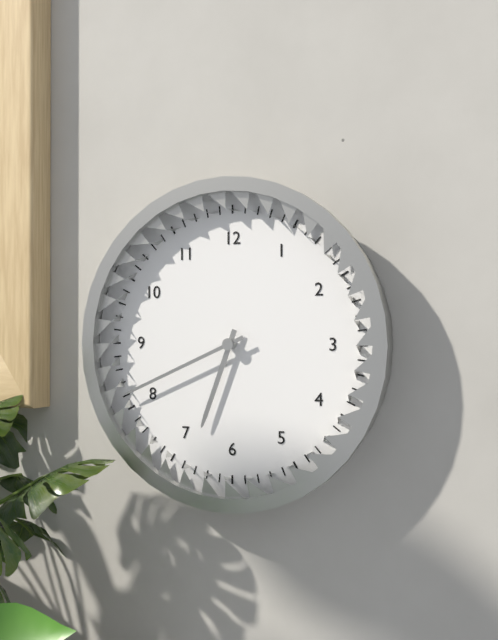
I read 6h41
